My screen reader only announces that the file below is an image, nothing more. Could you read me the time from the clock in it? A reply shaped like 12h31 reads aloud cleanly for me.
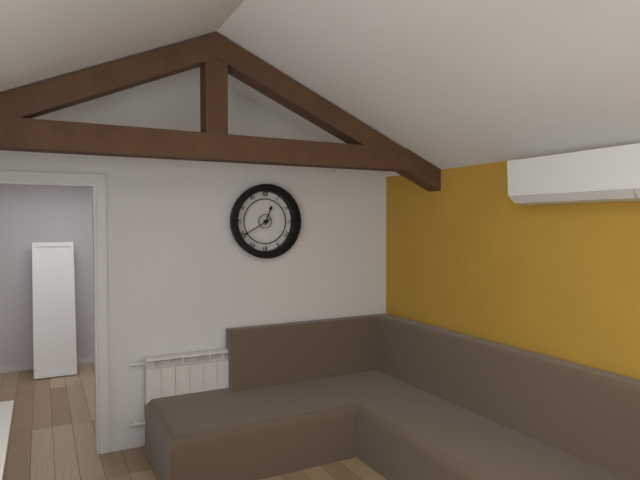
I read 12h40
